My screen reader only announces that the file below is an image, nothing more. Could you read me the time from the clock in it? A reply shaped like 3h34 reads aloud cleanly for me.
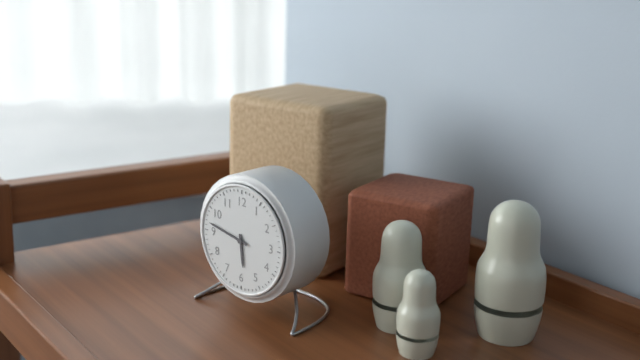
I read 5h47
